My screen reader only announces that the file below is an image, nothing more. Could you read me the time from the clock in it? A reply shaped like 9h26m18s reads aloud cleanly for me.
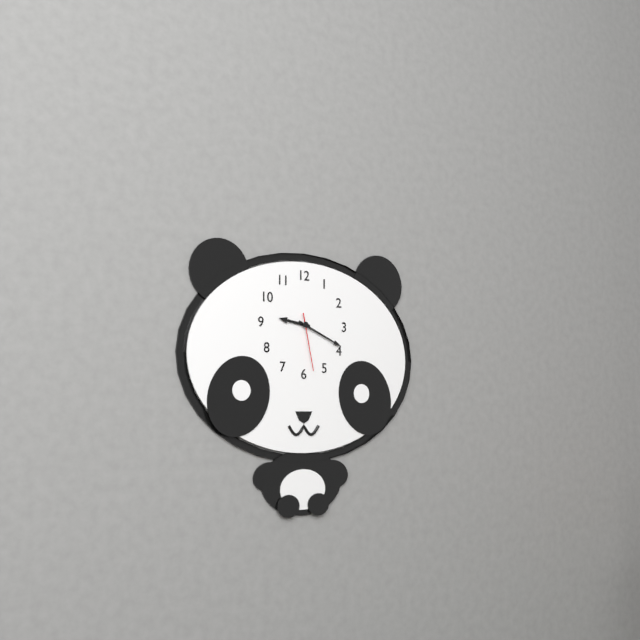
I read 9h19m28s
